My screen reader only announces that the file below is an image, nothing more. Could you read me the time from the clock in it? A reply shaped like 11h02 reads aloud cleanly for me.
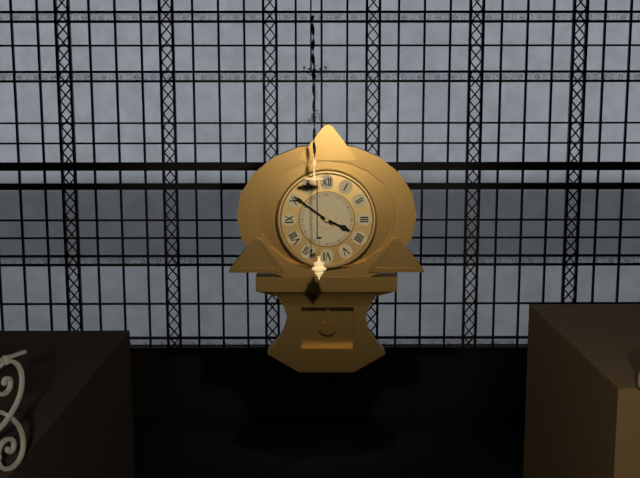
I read 3h51
